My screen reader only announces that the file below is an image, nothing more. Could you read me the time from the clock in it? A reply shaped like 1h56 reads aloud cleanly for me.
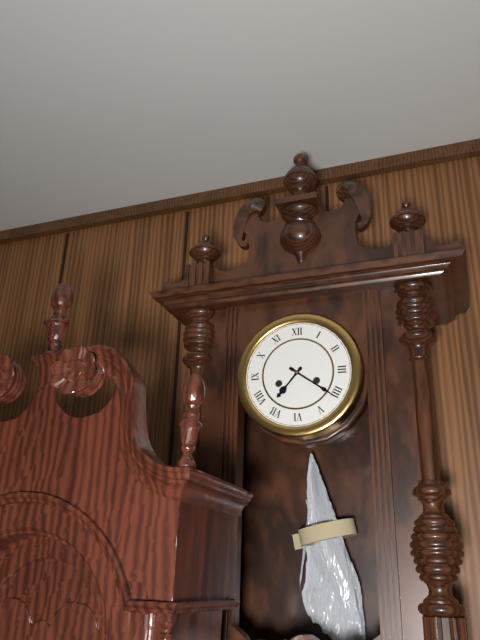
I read 7h21
